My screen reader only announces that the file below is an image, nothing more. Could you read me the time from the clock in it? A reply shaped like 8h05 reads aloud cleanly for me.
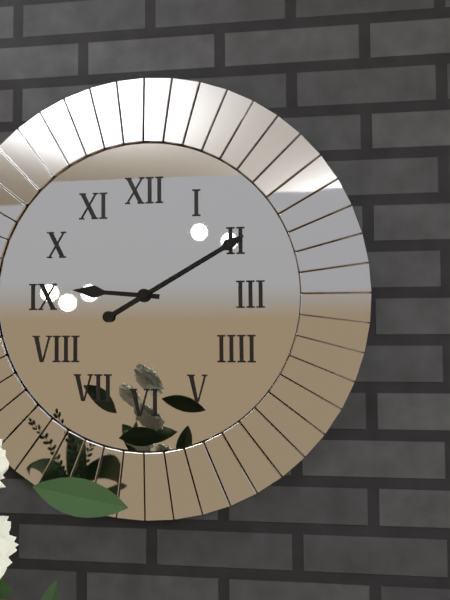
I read 9h10
